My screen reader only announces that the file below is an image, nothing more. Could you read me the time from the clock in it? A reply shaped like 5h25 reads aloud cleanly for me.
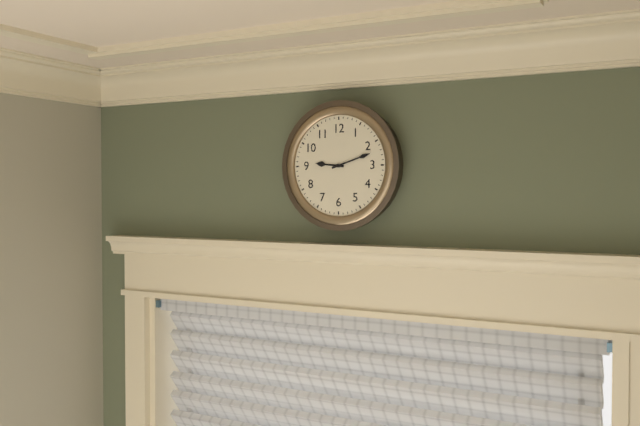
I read 9h12
